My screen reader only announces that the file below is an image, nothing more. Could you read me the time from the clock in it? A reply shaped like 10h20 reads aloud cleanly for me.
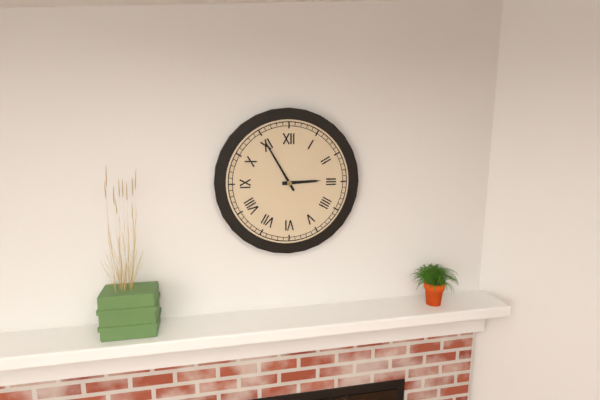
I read 2h55
